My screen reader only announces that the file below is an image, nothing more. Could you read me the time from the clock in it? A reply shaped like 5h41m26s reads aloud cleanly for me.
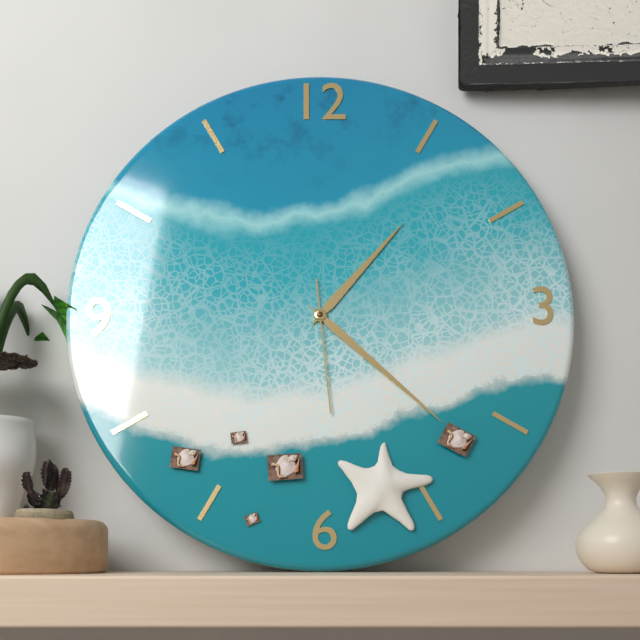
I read 1h22m29s
